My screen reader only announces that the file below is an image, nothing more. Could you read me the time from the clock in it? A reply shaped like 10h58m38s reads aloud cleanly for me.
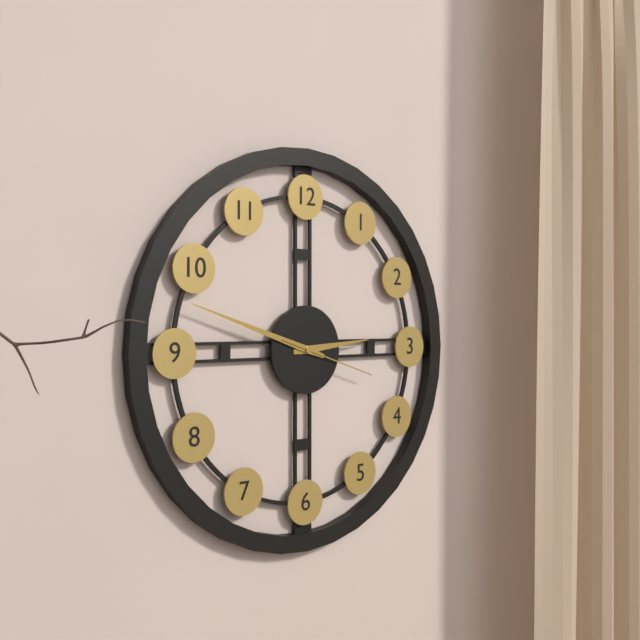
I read 2h48m18s
